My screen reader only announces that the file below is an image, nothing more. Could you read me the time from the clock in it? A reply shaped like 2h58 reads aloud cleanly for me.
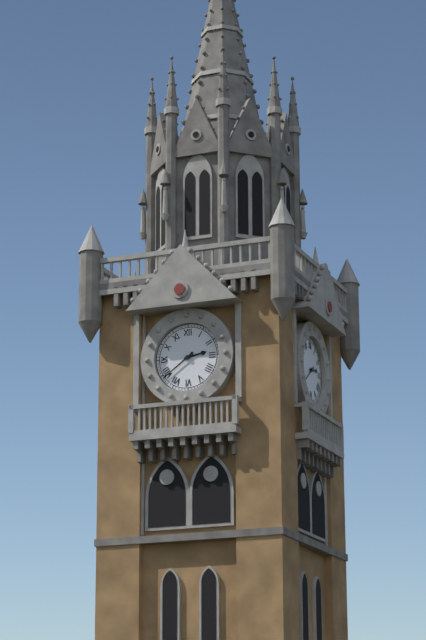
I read 2h39
